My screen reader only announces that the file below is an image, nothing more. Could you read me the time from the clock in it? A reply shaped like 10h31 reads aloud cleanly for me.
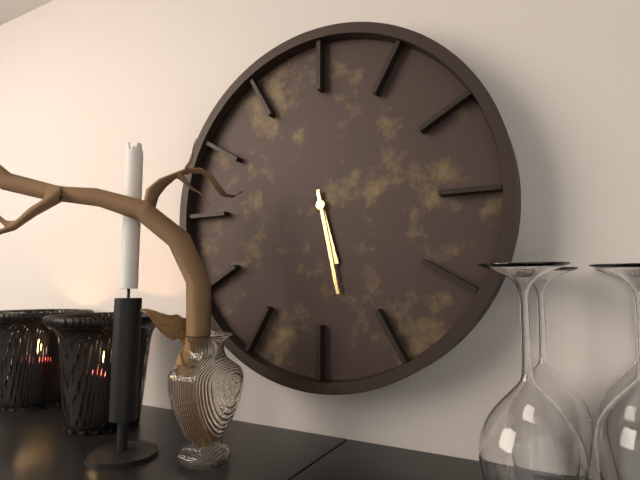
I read 5h28
